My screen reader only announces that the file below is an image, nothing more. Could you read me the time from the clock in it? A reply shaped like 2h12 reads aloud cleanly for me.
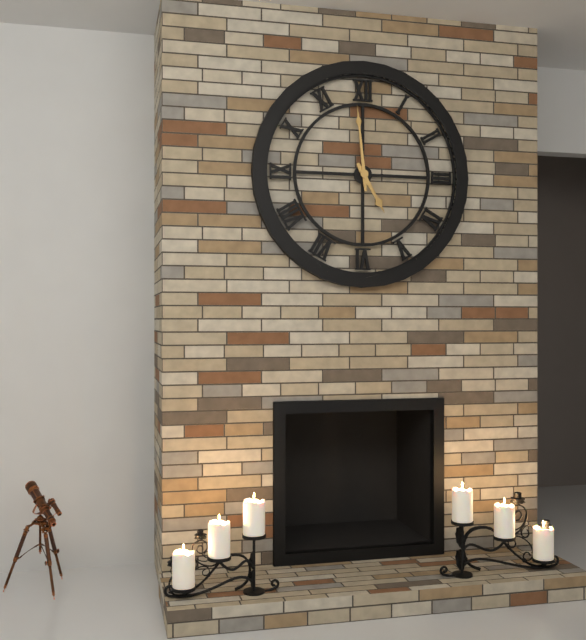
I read 4h59
